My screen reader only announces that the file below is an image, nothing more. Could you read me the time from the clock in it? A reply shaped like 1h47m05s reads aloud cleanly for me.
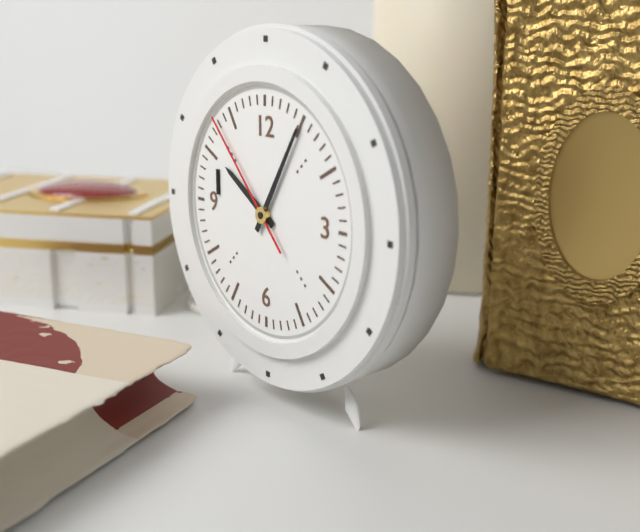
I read 10h05m53s
